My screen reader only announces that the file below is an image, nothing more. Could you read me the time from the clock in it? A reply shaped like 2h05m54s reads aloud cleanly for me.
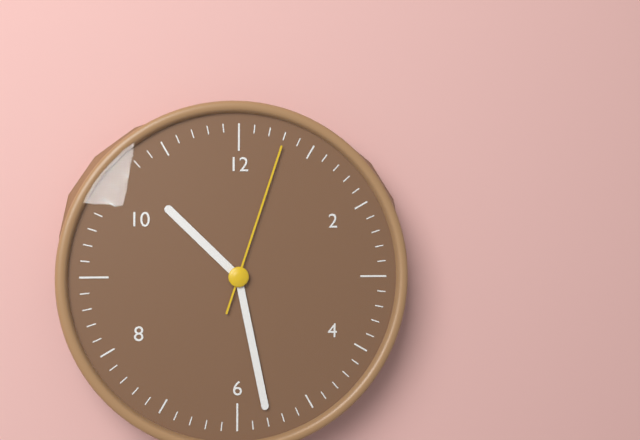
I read 10h28m03s
